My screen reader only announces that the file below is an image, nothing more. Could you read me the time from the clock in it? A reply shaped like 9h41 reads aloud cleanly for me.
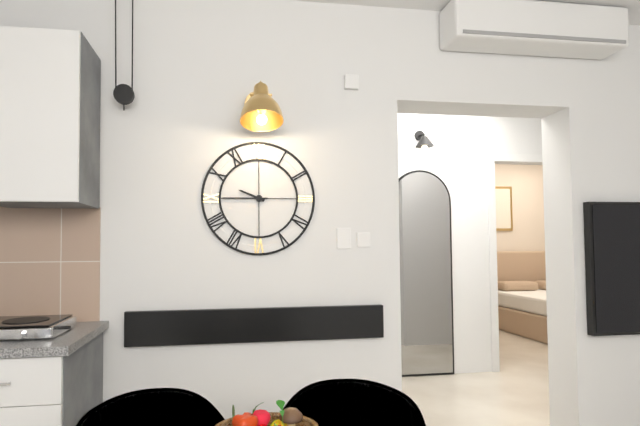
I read 9h45
